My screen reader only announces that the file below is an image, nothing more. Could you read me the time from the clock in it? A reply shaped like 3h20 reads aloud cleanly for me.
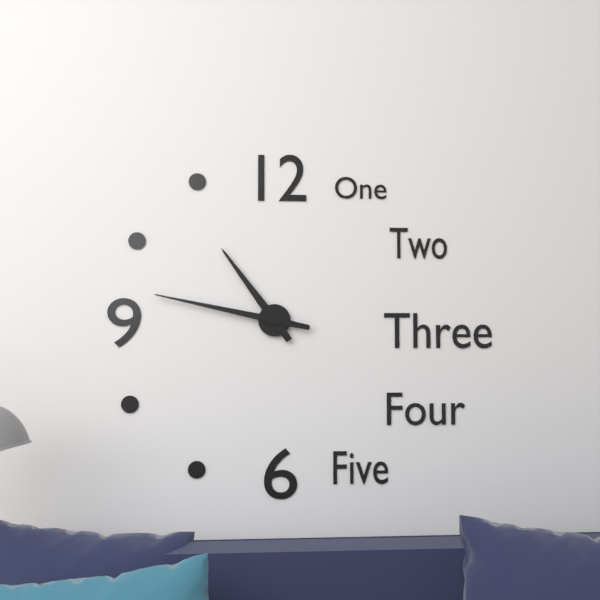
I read 10h47
